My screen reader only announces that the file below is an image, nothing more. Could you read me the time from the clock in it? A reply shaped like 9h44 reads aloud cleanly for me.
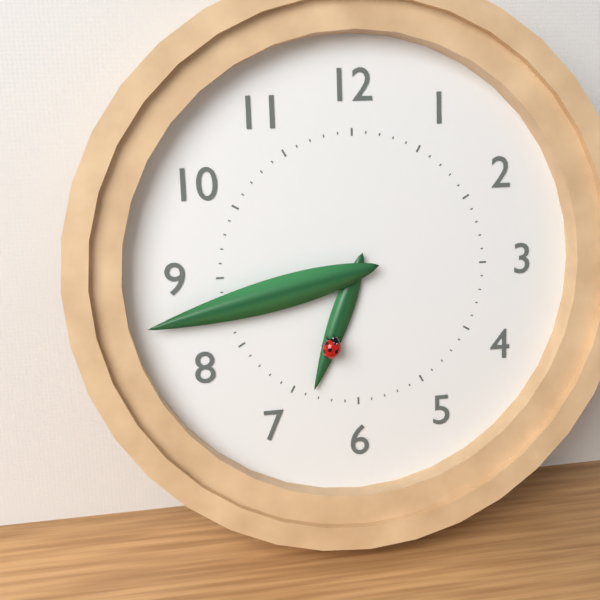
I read 6h43
